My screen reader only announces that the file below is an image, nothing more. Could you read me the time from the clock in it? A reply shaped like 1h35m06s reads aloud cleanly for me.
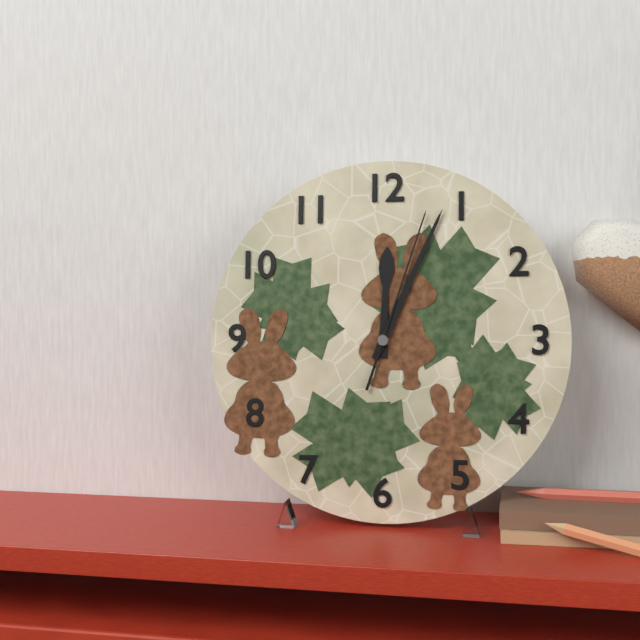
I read 12h04m03s
